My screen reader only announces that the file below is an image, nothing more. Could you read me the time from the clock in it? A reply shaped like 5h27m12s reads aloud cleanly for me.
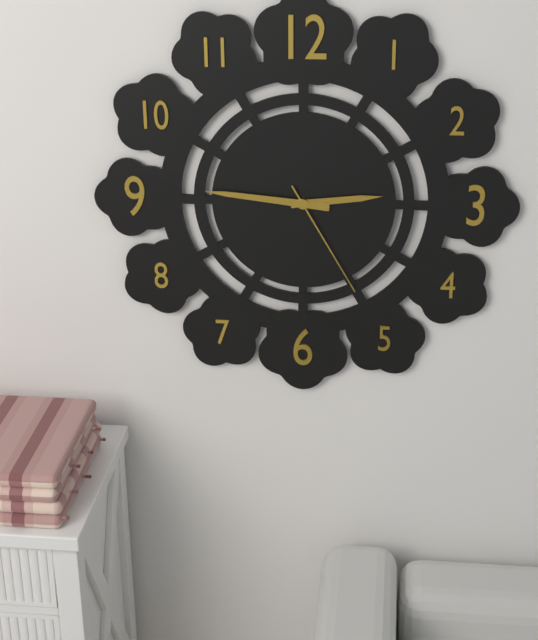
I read 2h46m25s
